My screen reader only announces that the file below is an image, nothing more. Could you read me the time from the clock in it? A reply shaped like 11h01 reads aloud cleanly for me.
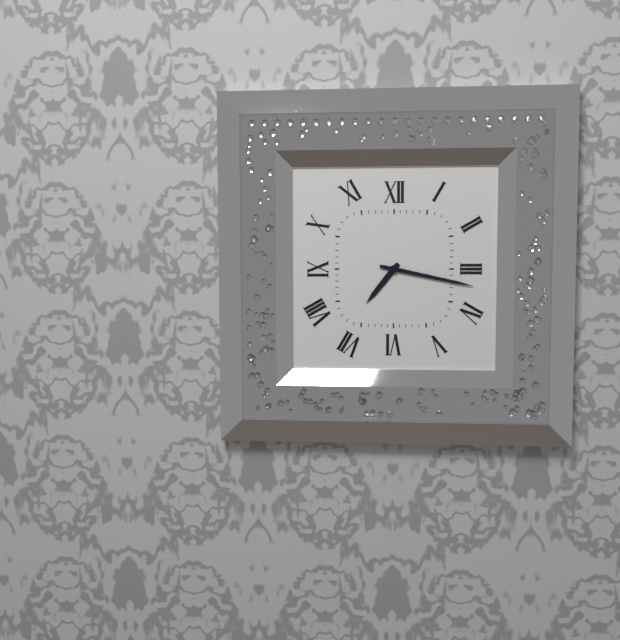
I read 7h17
